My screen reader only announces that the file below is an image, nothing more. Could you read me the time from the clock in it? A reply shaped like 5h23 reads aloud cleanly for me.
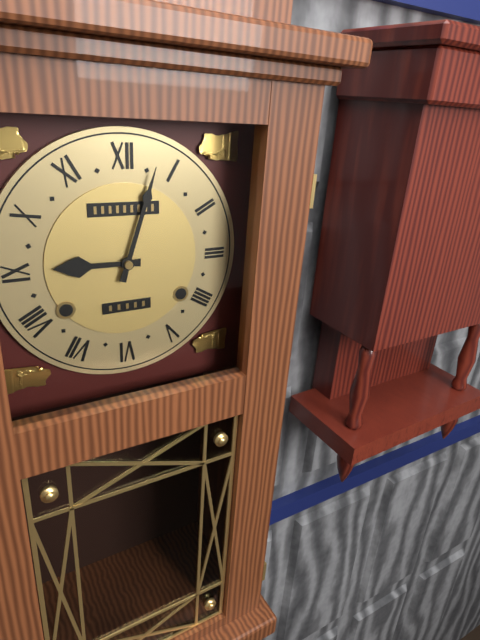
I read 9h03
